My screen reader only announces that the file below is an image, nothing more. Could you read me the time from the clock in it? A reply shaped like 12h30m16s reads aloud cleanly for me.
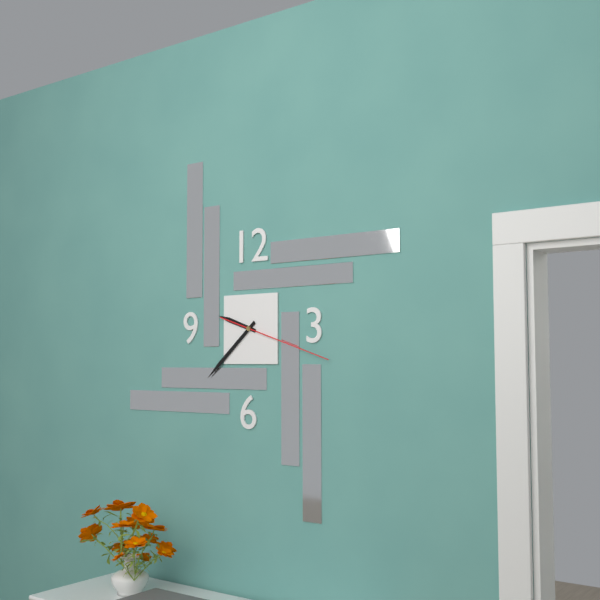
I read 9h38m18s
